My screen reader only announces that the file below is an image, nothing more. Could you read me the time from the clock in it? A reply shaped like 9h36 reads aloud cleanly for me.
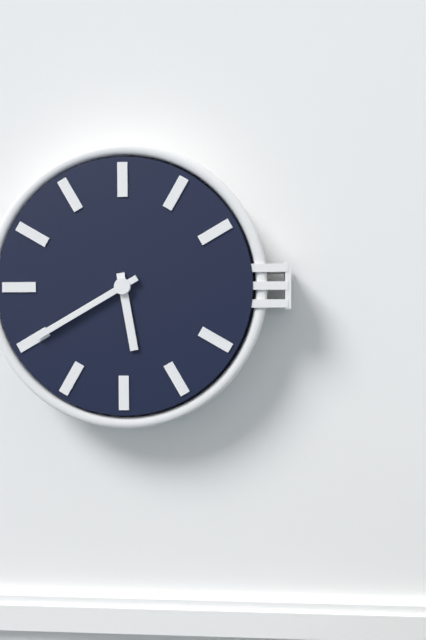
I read 5h40
